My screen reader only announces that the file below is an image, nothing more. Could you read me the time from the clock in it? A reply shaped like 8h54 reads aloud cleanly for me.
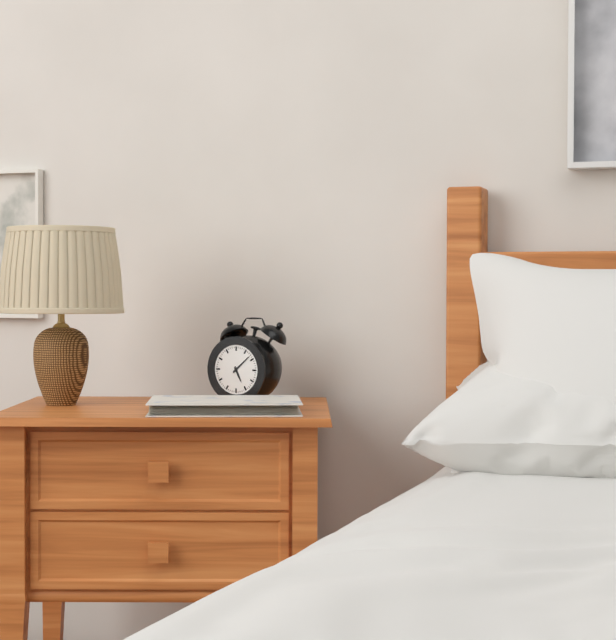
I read 5h08
